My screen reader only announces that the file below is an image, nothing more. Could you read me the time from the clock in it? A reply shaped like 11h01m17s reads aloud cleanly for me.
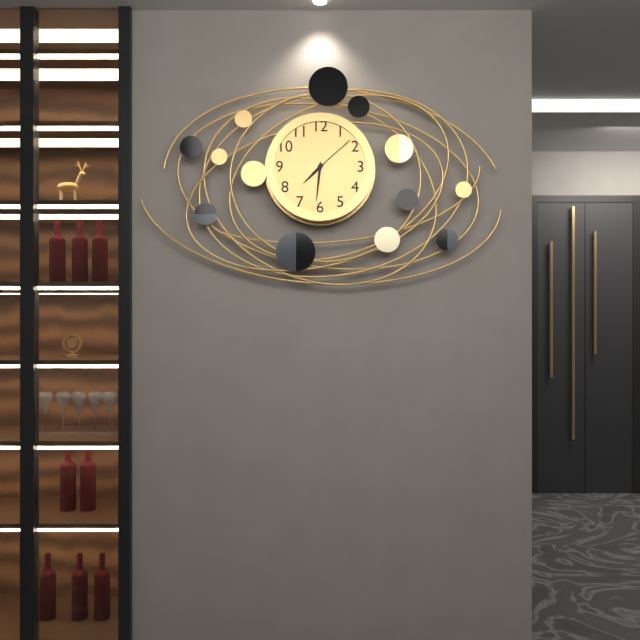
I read 7h31m08s
